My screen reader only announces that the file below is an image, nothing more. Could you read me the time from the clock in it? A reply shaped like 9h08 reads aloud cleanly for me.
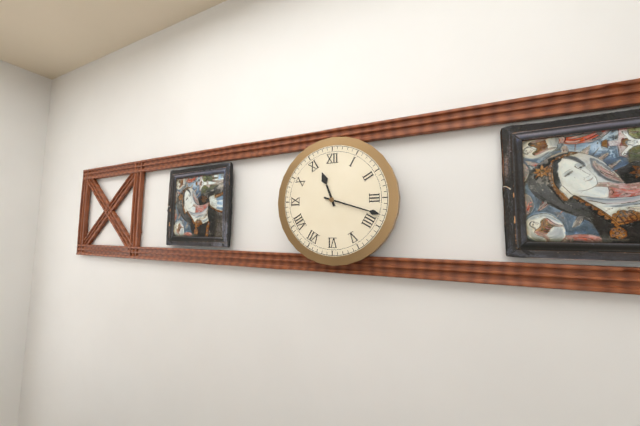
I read 11h18
